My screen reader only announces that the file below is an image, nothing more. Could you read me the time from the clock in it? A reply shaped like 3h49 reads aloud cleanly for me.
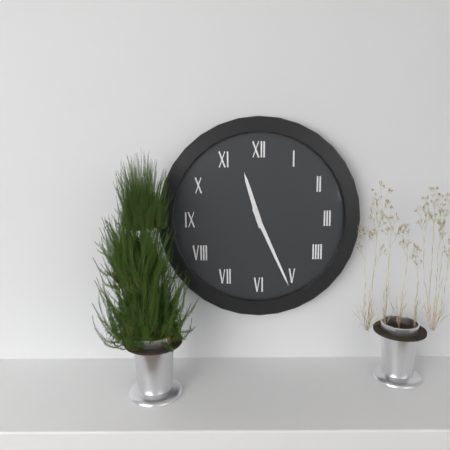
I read 11h26
